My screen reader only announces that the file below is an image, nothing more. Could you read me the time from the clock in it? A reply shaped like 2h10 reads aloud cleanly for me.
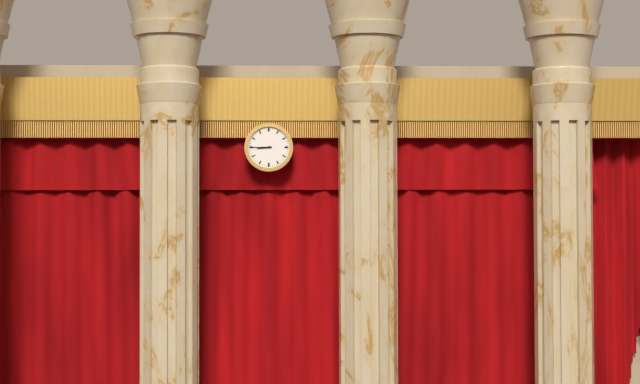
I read 8h45
